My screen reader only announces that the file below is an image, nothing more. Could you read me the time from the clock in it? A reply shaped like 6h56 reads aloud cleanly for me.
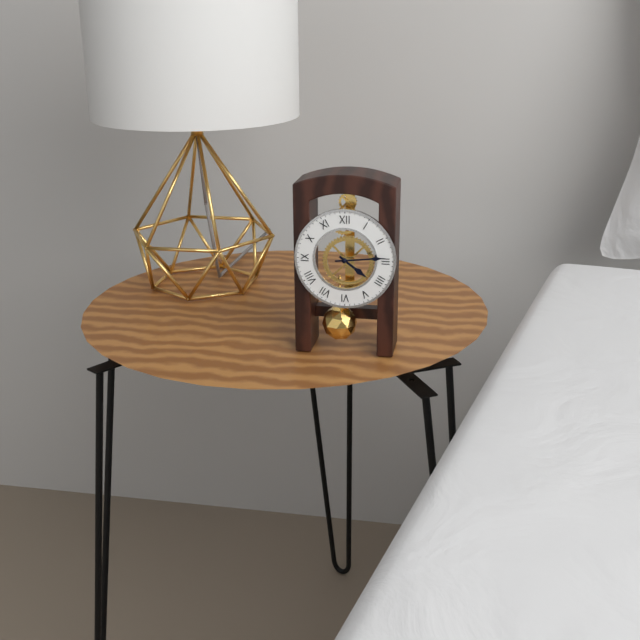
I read 4h14
